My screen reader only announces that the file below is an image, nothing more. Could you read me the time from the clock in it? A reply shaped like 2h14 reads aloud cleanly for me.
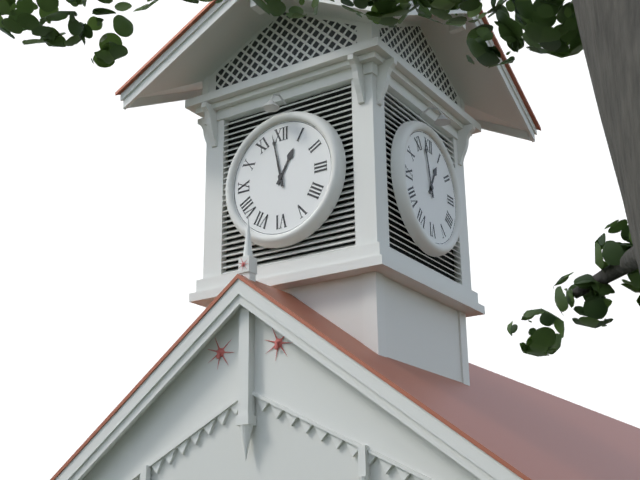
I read 12h58
